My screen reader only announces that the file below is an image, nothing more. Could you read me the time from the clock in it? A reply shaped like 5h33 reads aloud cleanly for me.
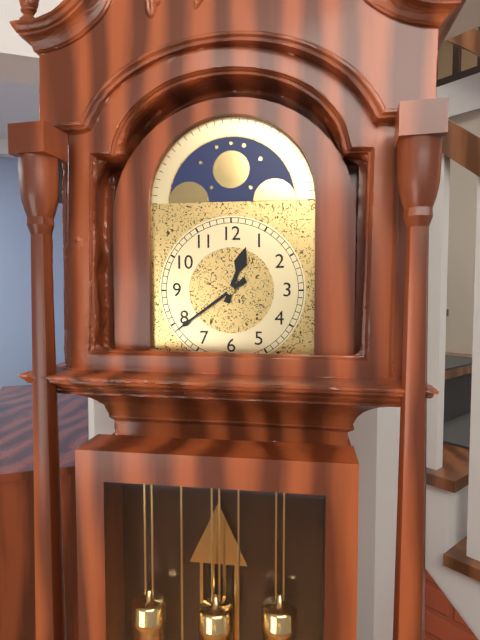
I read 12h39
